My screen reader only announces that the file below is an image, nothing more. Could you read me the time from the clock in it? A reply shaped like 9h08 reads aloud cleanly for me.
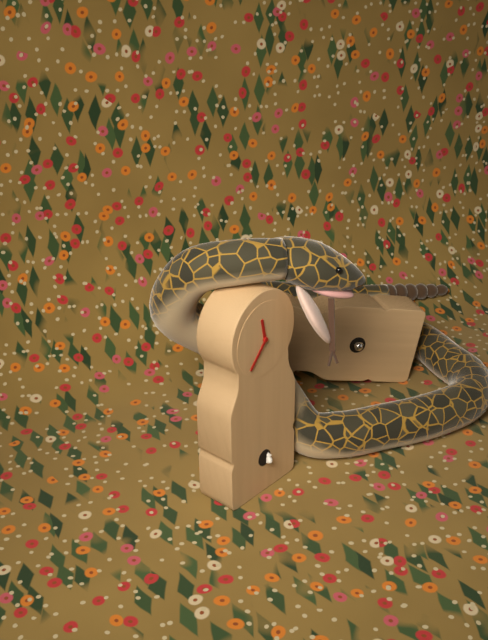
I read 11h37
